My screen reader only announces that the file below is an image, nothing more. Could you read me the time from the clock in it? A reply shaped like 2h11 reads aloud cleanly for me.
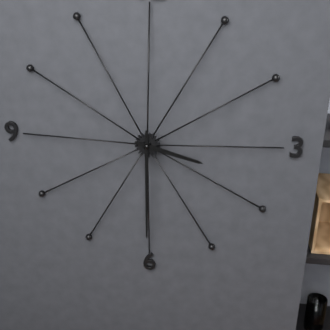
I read 3h30
